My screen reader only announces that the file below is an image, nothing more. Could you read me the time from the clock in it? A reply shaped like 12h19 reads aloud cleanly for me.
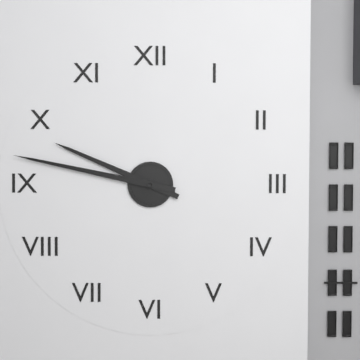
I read 9h47
